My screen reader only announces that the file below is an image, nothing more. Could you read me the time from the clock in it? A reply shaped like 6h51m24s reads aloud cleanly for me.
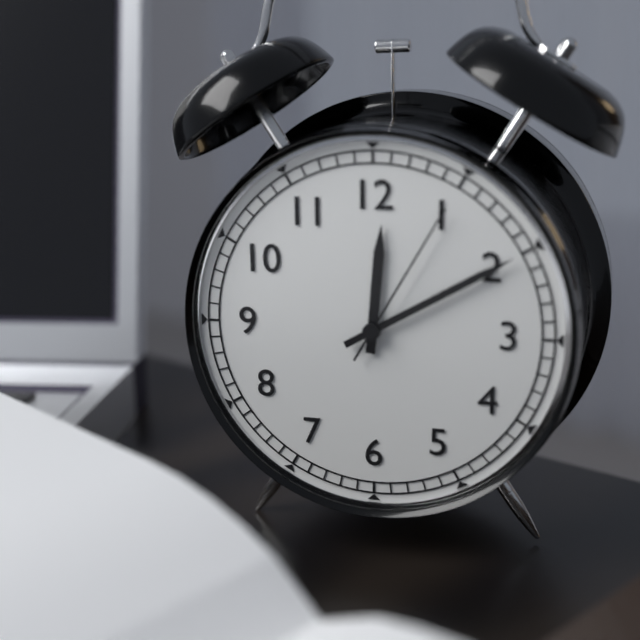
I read 12h10m05s
